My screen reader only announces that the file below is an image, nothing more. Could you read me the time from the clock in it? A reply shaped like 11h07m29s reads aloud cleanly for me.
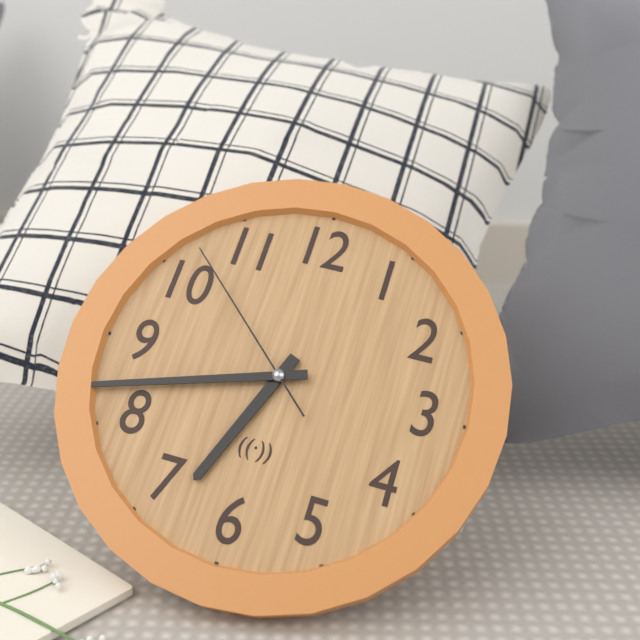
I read 6h42m52s
